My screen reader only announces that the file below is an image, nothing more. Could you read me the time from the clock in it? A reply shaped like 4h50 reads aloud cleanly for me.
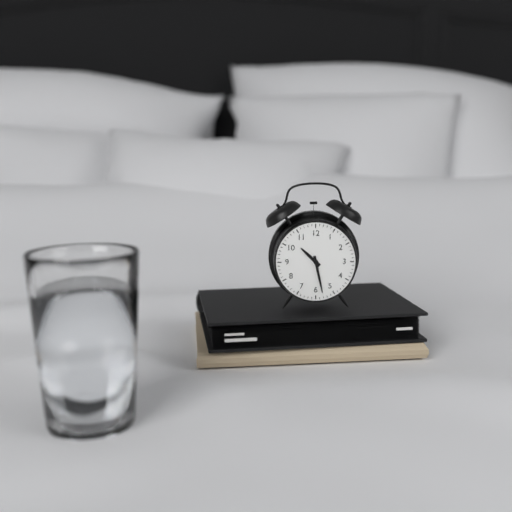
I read 10h28
